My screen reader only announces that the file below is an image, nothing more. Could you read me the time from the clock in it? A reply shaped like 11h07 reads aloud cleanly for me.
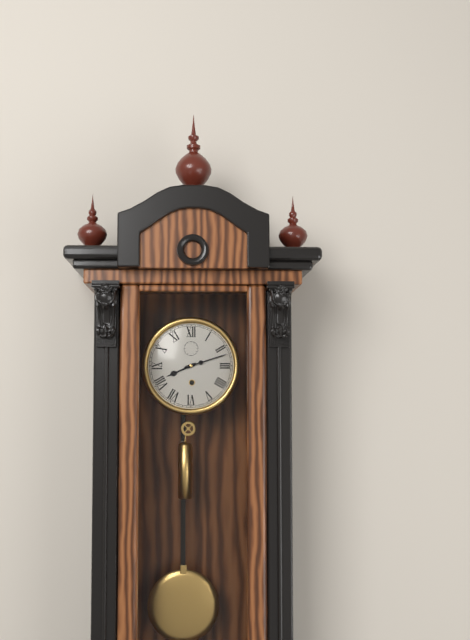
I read 8h12
